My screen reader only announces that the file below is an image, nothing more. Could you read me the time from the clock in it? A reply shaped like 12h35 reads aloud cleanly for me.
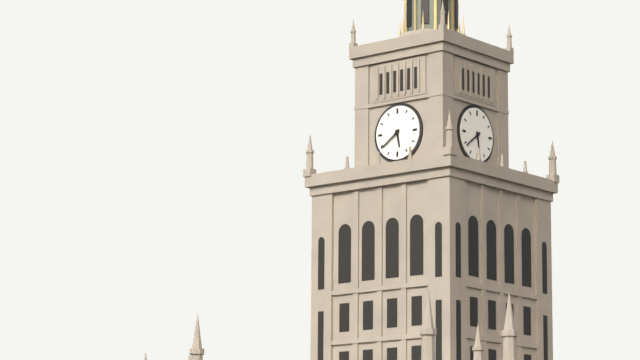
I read 5h39
